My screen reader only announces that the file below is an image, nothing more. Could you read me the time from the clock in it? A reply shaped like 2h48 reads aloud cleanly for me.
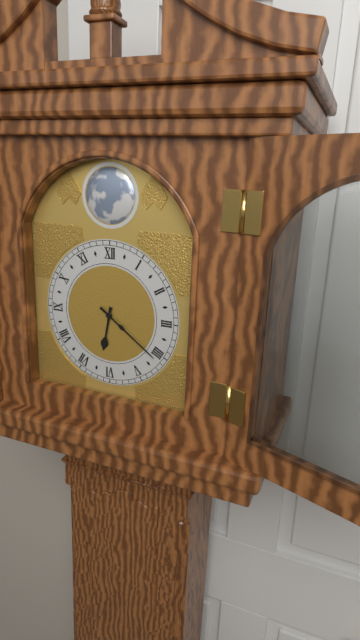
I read 6h21
